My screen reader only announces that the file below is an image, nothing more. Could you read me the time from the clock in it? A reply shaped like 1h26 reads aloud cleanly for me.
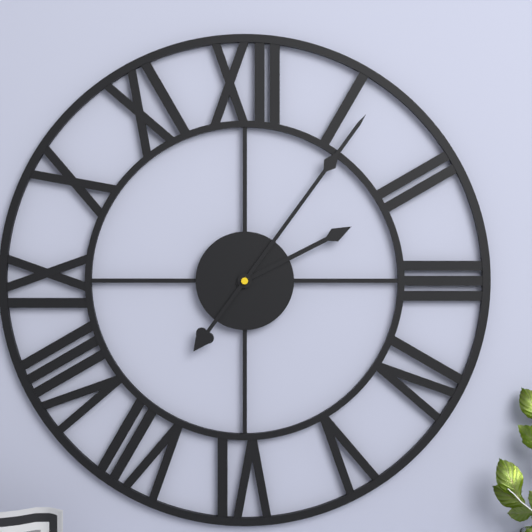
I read 2h06
